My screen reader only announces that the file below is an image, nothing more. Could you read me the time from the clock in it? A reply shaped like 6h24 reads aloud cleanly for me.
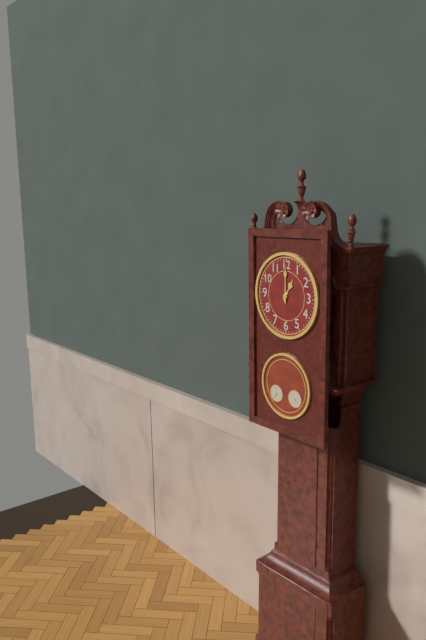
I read 1h00
